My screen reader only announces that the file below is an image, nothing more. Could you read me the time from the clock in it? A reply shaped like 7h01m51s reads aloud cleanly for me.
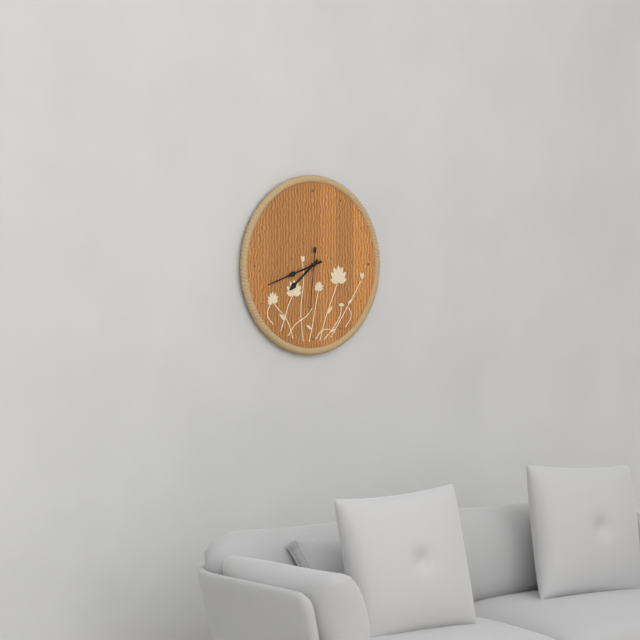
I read 7h42m31s
